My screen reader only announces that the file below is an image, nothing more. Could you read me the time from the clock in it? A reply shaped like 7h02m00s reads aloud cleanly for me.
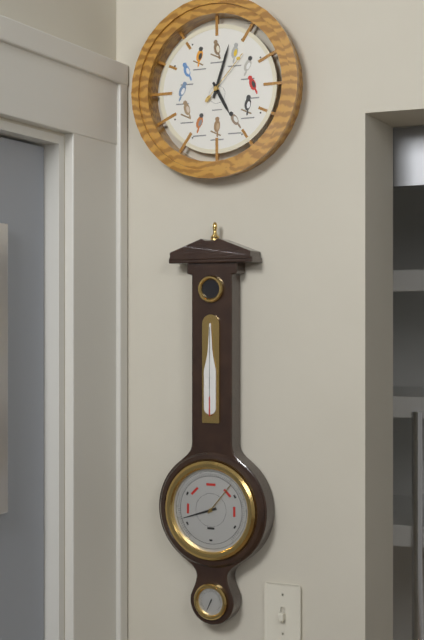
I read 5h03m07s
